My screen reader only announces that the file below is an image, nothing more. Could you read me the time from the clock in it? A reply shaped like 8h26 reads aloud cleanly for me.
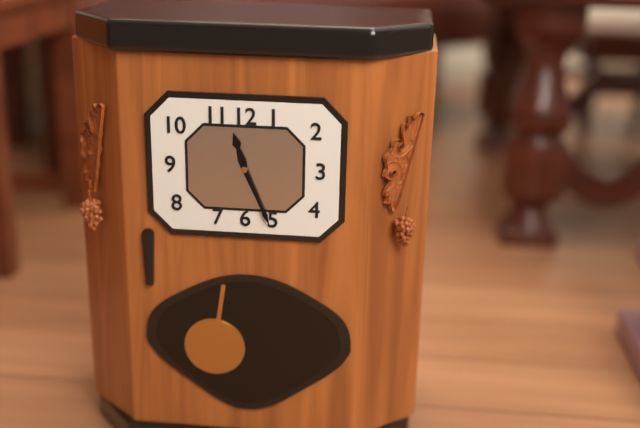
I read 11h26
